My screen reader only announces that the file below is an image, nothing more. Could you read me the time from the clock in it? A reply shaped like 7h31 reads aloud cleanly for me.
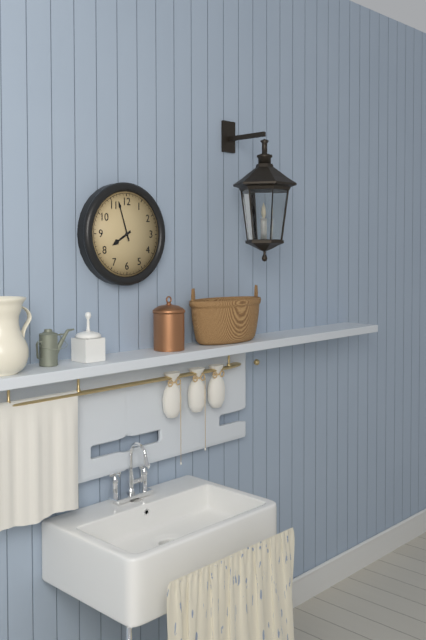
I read 7h57
